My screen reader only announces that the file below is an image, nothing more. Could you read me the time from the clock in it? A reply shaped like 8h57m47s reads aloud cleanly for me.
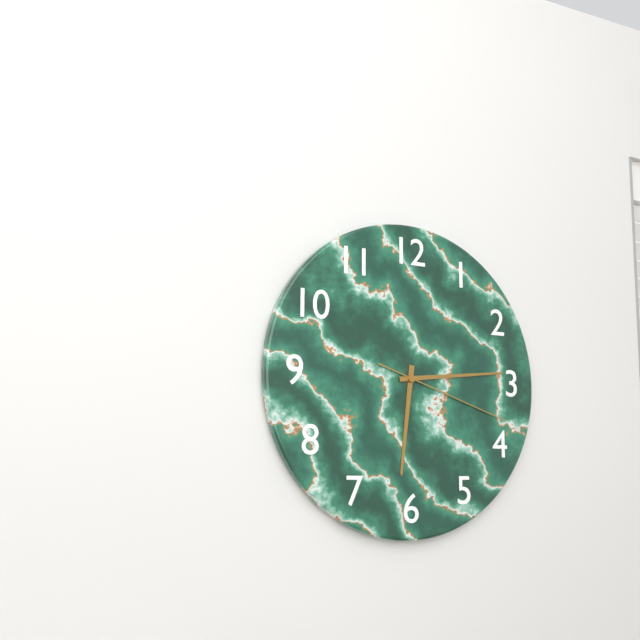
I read 6h14m18s
